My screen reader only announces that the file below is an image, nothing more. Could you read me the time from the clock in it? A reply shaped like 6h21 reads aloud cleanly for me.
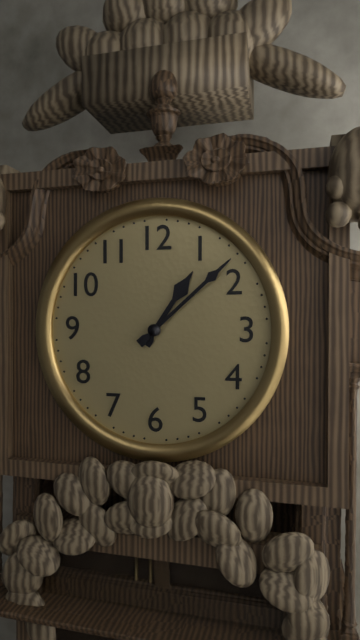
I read 1h08
